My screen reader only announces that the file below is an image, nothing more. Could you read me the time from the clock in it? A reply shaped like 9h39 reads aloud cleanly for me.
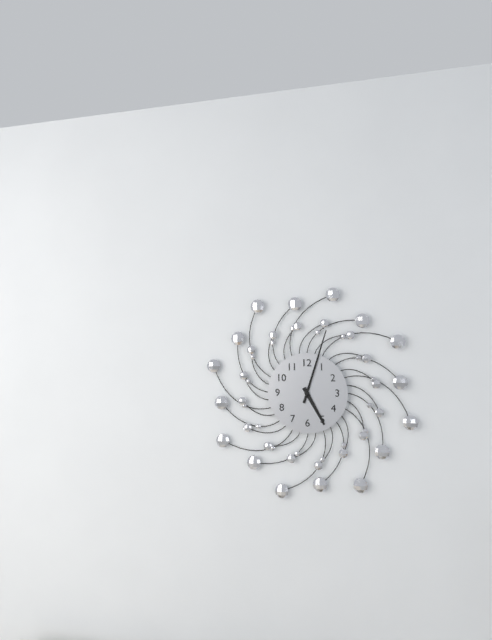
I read 5h03
